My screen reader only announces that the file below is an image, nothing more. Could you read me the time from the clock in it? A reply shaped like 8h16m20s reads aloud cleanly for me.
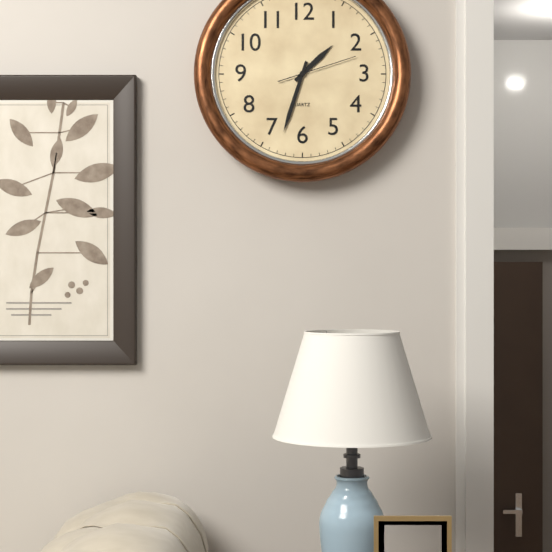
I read 1h33m12s
